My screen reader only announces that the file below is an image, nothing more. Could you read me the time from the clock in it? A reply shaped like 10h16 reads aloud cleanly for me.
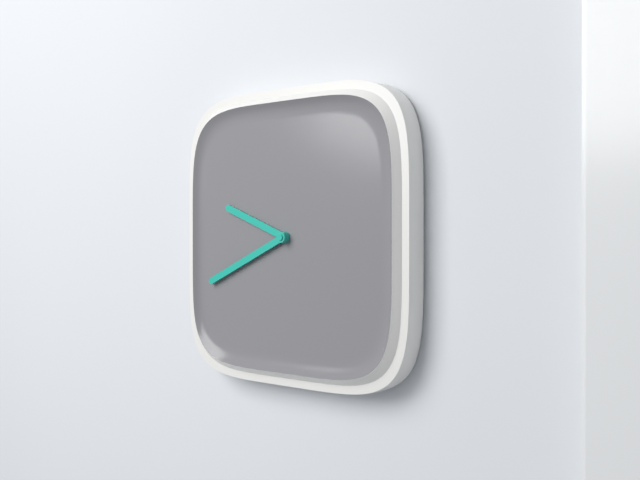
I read 9h41
